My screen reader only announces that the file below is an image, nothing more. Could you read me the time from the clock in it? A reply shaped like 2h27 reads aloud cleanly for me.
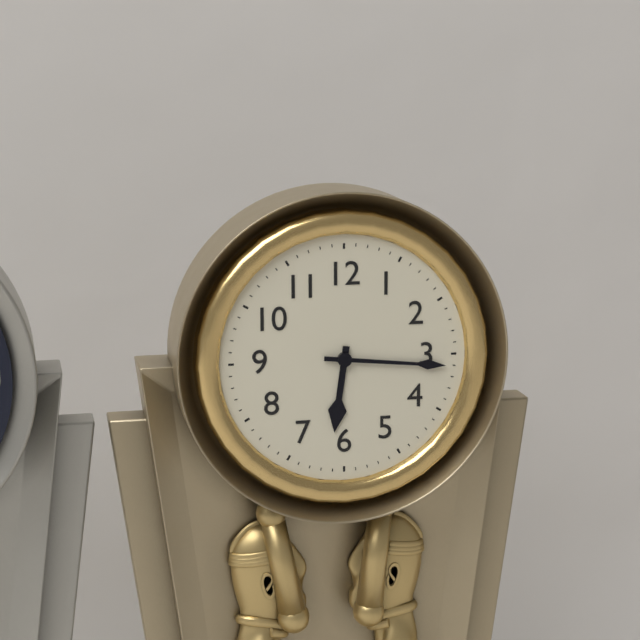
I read 6h16
